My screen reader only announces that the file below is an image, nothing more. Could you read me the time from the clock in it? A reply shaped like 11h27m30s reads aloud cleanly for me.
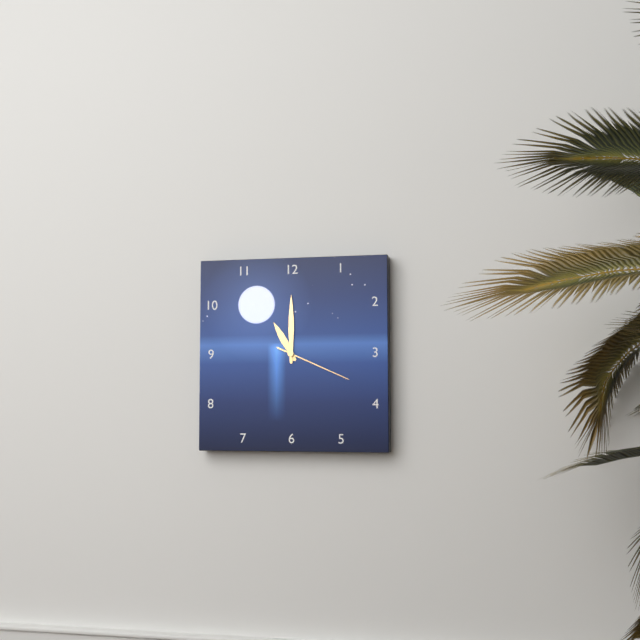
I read 11h00m19s
